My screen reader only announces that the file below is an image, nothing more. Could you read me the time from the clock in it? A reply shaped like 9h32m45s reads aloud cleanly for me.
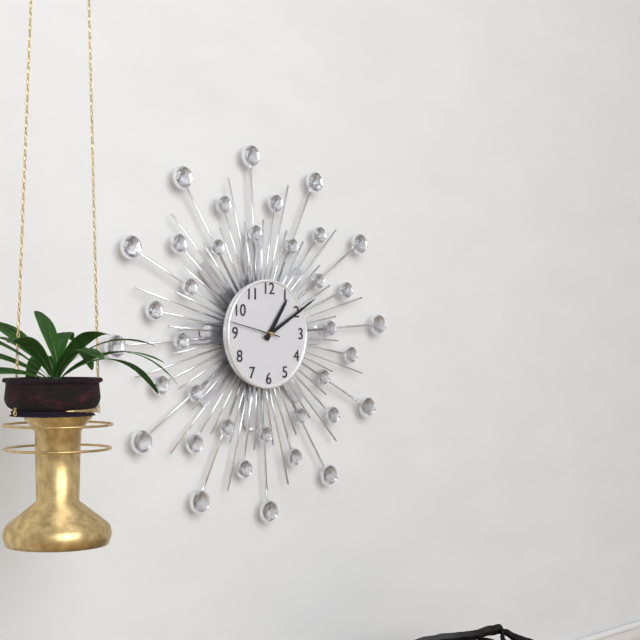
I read 1h10m47s
